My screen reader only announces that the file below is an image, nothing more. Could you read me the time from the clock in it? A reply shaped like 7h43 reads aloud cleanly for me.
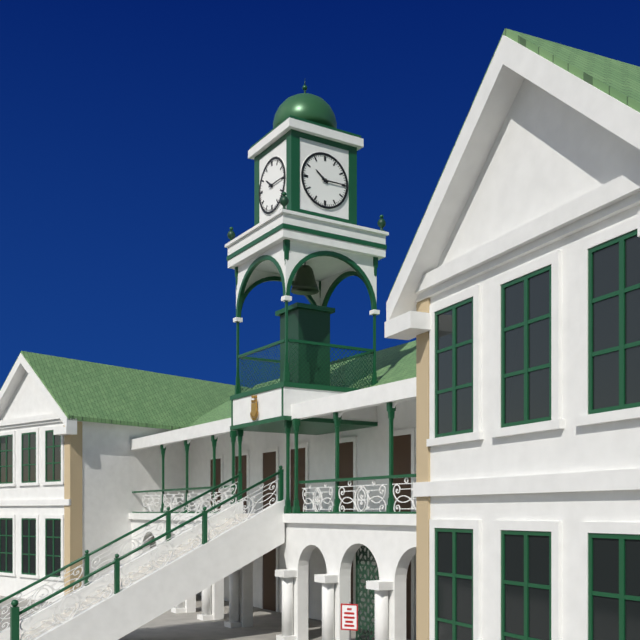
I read 10h15
